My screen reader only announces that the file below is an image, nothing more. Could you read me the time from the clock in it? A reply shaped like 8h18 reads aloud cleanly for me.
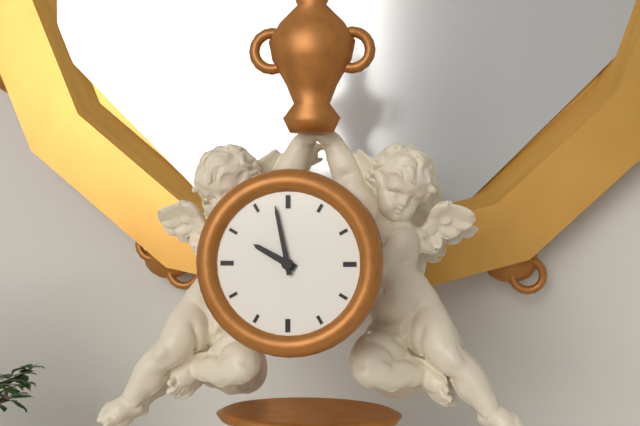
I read 9h58
